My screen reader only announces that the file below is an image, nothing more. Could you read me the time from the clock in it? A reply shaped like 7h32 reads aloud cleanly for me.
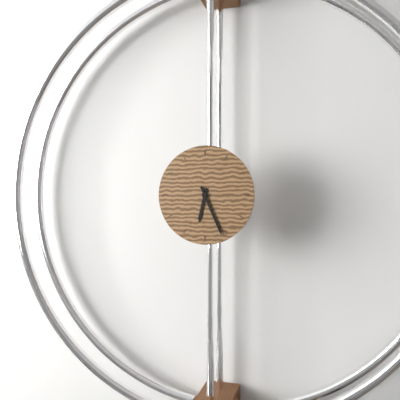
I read 6h26
